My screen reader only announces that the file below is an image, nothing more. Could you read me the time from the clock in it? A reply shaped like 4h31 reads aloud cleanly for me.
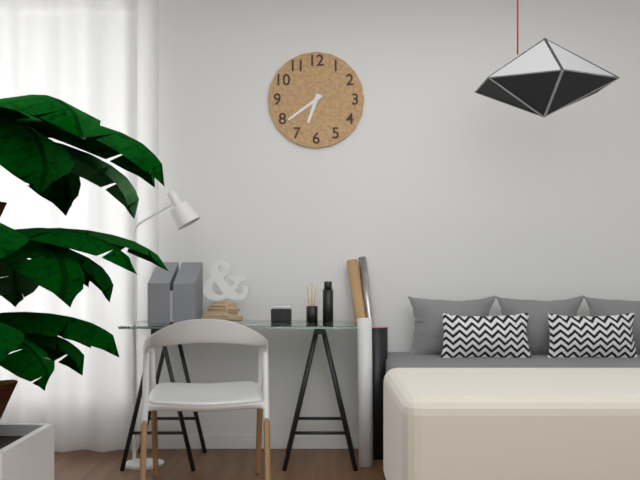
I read 6h39
